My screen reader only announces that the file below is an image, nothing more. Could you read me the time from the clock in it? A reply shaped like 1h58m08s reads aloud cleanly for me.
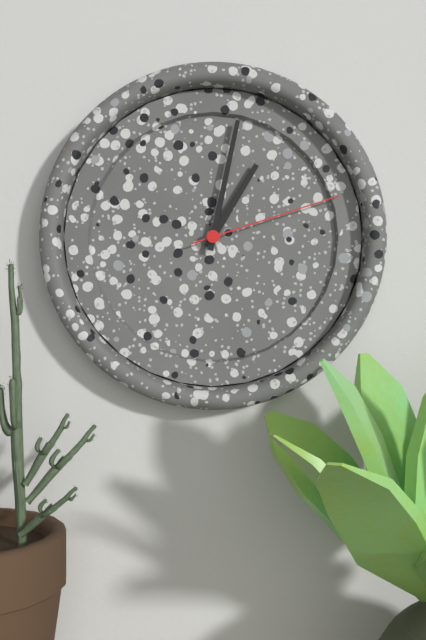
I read 1h02m12s
